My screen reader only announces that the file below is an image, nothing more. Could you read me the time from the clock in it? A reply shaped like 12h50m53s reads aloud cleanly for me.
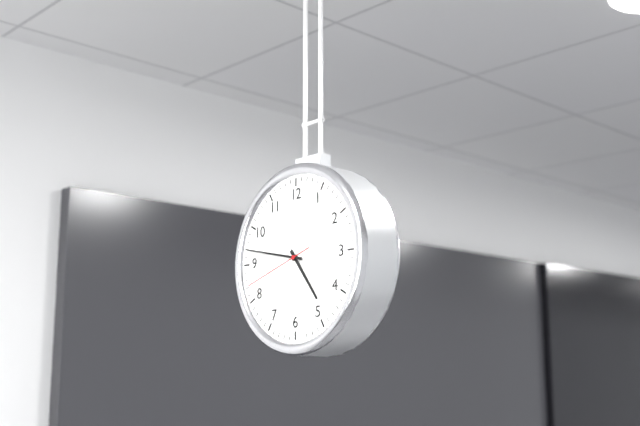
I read 4h47m42s
